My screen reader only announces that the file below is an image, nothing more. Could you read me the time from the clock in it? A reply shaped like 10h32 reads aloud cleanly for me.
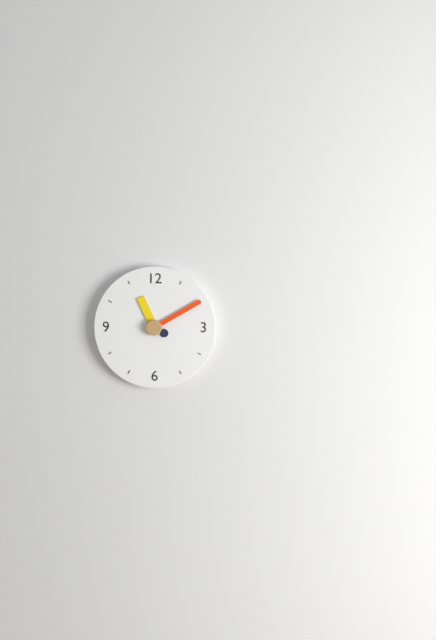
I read 11h10
